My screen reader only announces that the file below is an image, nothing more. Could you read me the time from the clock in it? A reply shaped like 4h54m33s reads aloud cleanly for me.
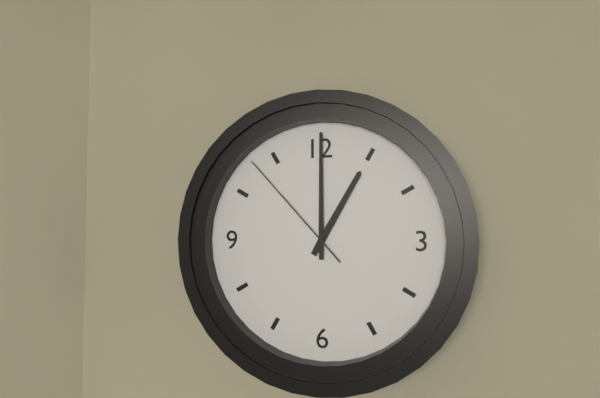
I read 1h00m53s
